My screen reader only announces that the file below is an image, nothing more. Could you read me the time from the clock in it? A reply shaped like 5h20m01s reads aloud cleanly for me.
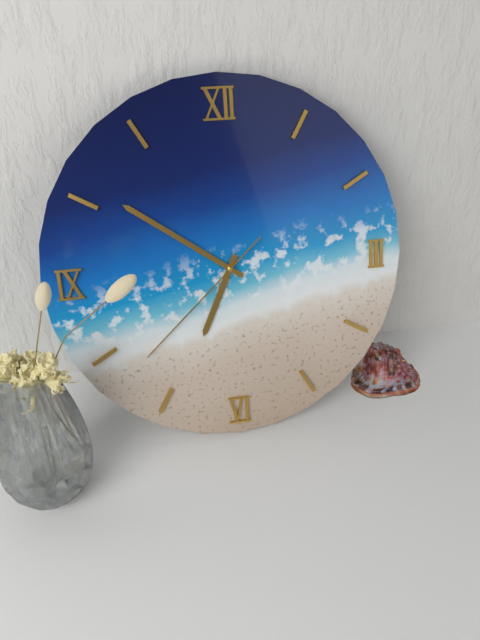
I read 6h51m38s
